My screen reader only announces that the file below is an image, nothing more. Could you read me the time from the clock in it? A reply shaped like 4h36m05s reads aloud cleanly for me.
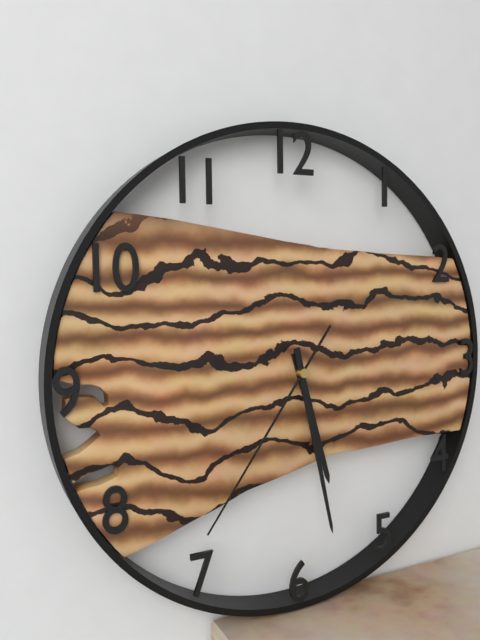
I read 5h28m36s
